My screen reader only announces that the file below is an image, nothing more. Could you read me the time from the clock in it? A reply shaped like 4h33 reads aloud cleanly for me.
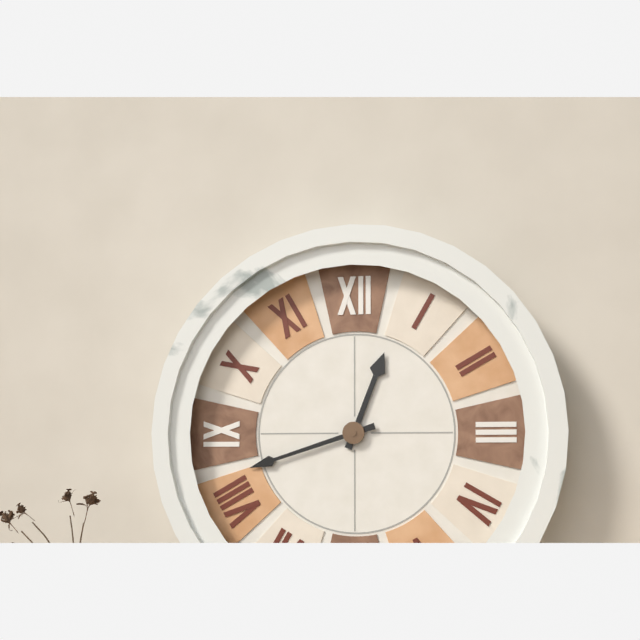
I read 12h42
